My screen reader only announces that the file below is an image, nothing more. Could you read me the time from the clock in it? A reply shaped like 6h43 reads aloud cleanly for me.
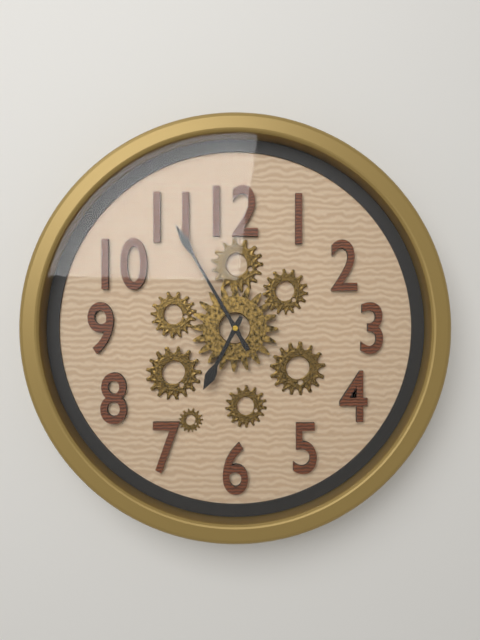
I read 6h55
